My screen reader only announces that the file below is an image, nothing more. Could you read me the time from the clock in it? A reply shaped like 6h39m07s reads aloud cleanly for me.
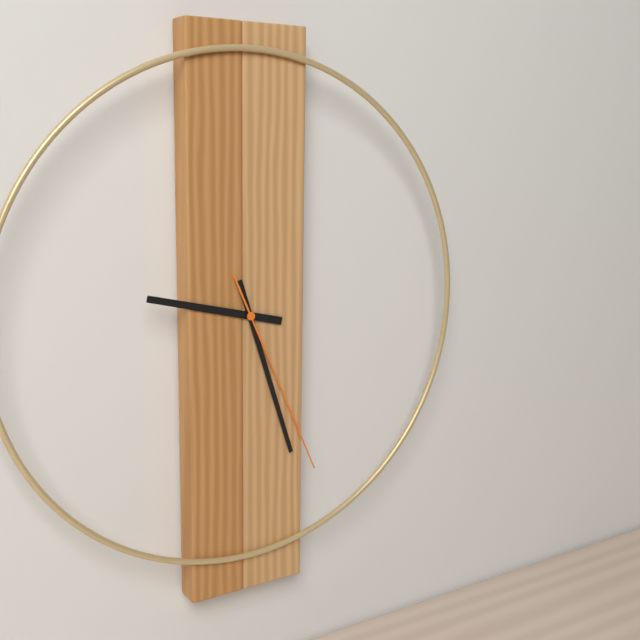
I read 9h27m26s
